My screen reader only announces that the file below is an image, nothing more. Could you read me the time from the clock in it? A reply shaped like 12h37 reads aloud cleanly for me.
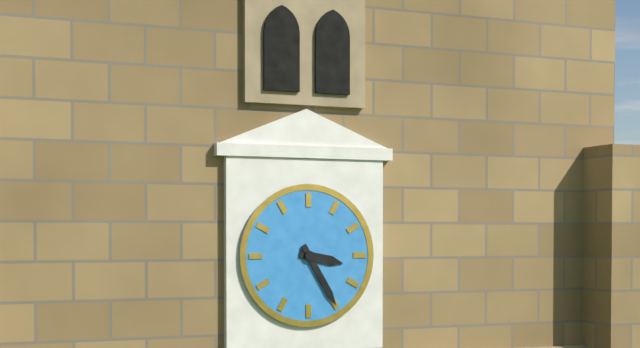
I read 3h25
